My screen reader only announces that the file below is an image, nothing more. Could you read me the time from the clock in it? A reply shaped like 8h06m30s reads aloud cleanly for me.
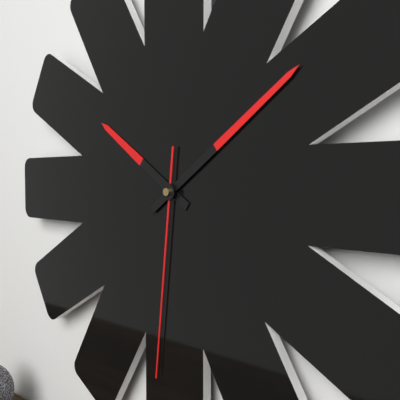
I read 10h09m31s
